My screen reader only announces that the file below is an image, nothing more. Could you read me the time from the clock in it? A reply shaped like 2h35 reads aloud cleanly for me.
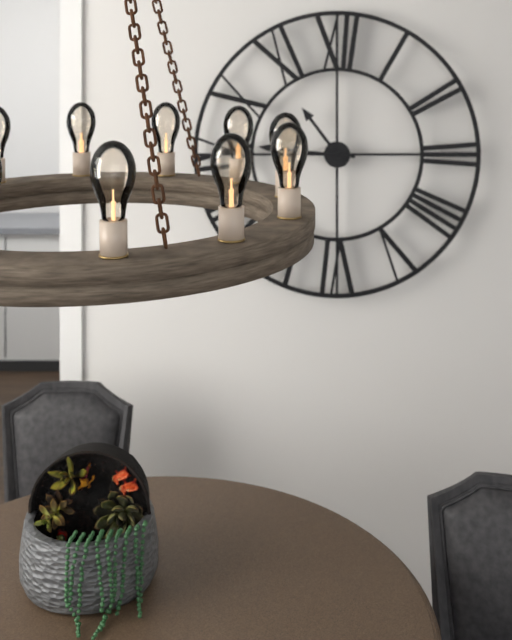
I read 10h46
